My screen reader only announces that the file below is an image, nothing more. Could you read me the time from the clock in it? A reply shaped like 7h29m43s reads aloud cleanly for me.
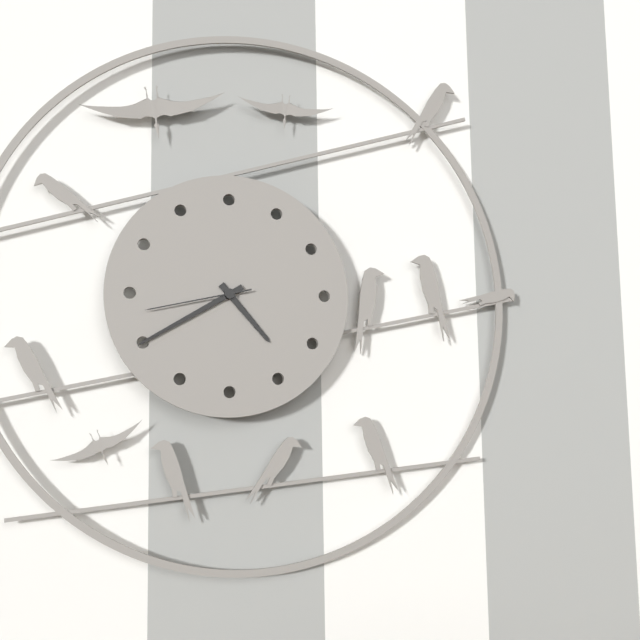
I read 4h40m43s
